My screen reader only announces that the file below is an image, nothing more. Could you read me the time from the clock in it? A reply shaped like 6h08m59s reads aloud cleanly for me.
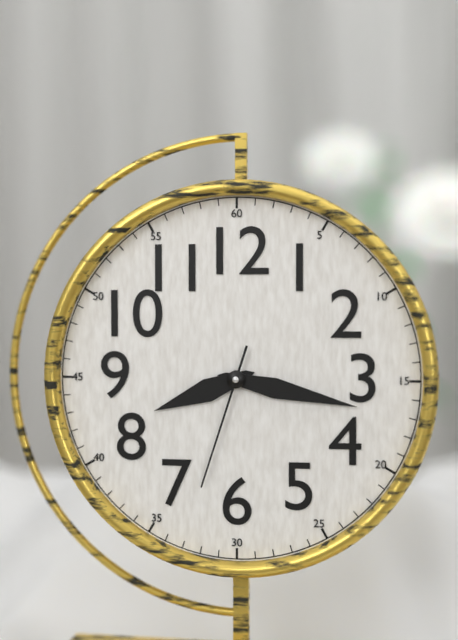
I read 8h17m33s
